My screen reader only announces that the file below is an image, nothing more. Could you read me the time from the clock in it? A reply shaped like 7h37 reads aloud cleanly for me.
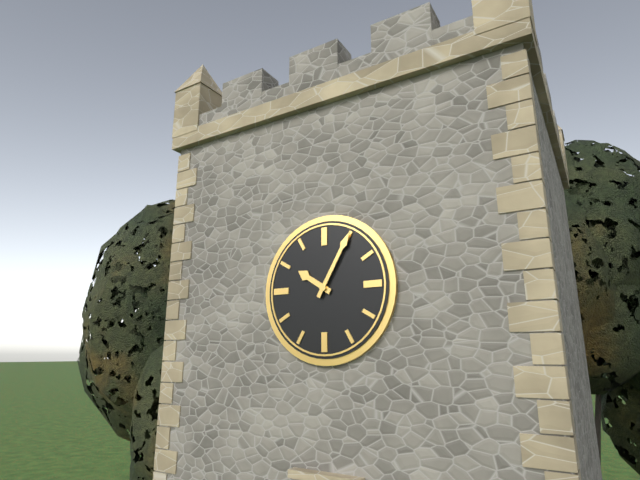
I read 10h05
